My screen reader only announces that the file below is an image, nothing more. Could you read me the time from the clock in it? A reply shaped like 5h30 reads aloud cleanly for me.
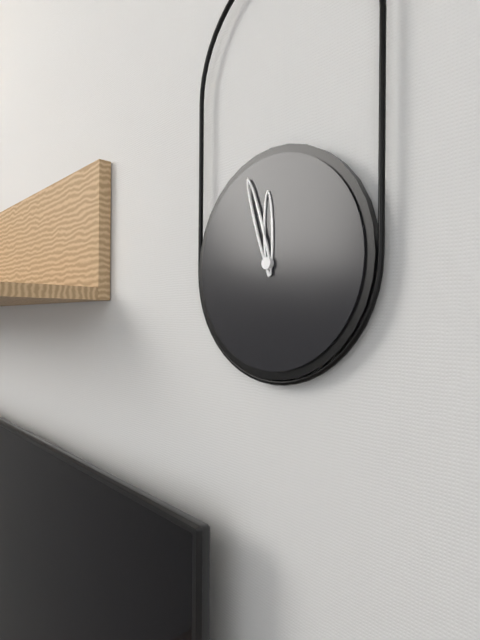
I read 11h57
